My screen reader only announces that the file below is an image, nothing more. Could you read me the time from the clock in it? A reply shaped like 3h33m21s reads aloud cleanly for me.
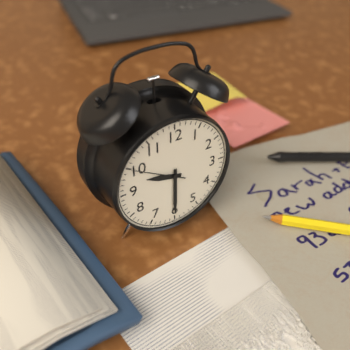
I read 9h30m50s
